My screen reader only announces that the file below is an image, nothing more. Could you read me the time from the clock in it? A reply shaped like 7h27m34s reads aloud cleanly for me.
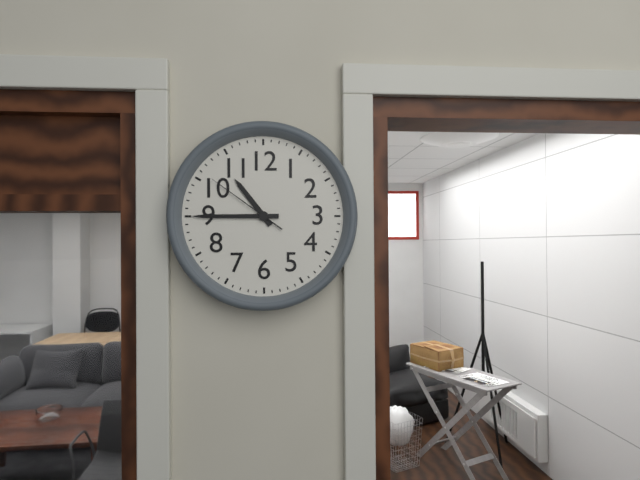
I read 10h45m51s
